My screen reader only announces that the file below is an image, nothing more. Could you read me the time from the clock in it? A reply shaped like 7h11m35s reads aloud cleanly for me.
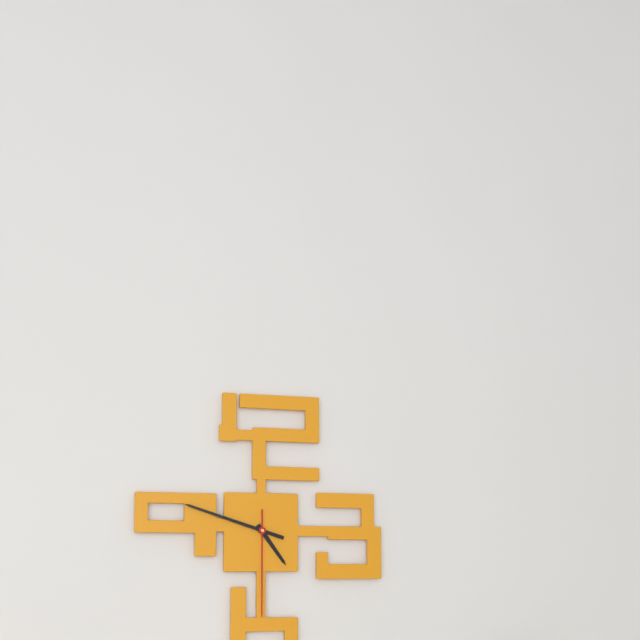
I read 4h48m30s
